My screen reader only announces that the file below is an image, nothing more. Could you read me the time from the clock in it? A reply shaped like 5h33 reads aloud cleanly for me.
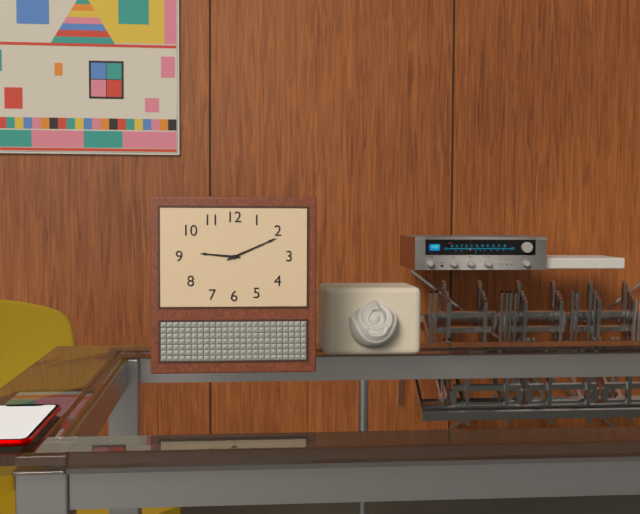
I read 9h11
